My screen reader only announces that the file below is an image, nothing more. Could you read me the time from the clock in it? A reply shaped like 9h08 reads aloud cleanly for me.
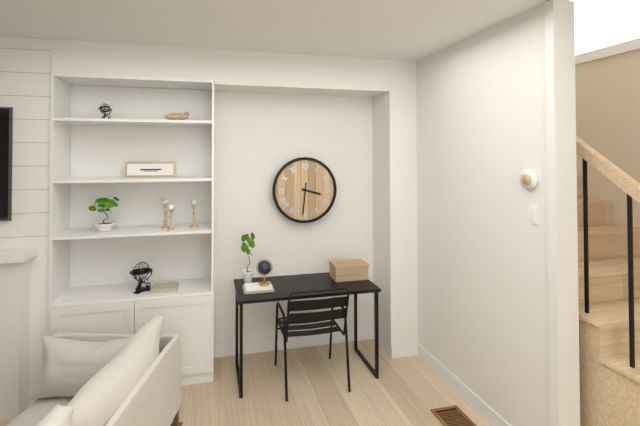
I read 3h31
